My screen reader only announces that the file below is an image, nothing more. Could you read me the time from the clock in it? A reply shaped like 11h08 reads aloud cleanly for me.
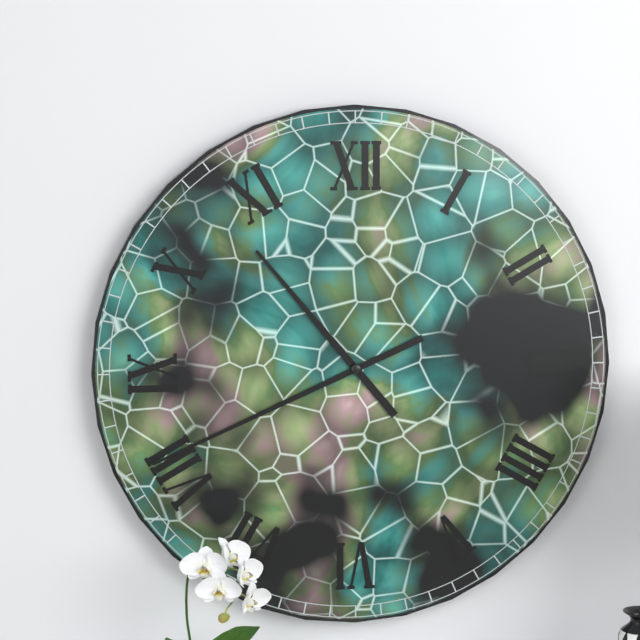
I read 10h41
